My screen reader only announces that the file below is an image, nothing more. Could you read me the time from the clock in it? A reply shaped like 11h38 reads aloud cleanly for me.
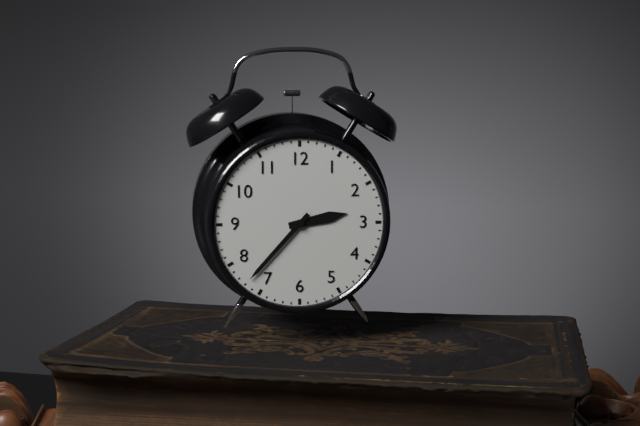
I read 2h37
